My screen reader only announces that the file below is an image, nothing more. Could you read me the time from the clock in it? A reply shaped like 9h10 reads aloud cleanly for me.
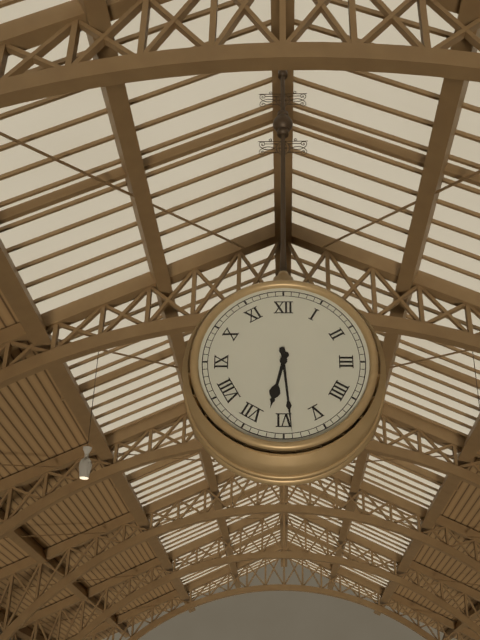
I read 6h29
